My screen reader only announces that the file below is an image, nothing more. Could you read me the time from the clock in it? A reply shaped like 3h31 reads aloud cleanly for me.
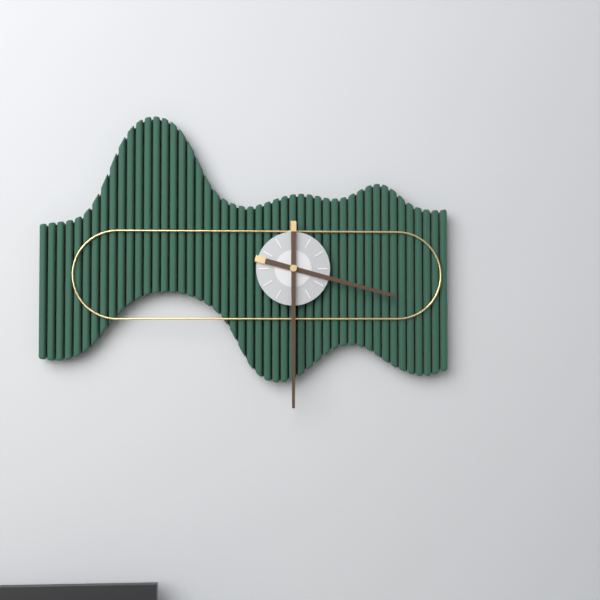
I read 3h30
